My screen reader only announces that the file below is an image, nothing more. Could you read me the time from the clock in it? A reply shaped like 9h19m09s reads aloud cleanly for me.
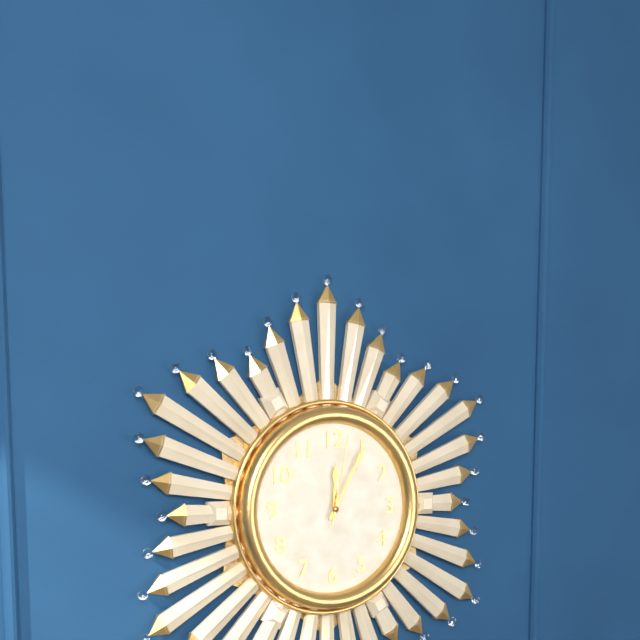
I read 12h05m02s
